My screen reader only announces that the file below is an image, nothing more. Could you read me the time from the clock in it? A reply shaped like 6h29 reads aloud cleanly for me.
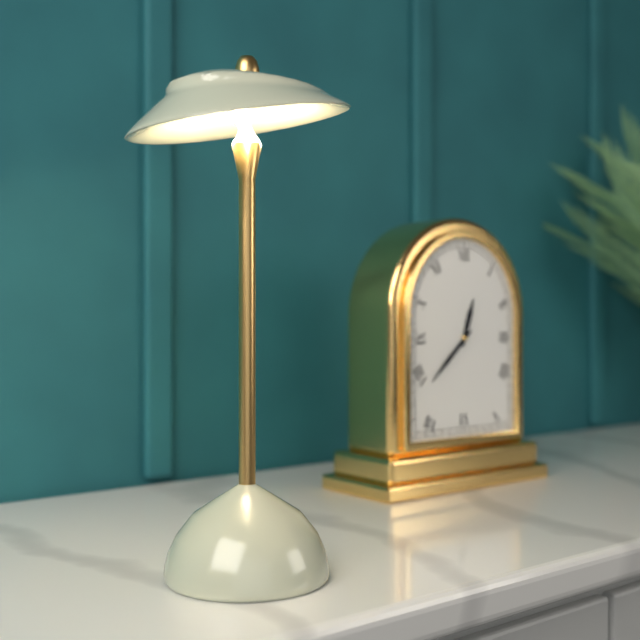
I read 12h38
